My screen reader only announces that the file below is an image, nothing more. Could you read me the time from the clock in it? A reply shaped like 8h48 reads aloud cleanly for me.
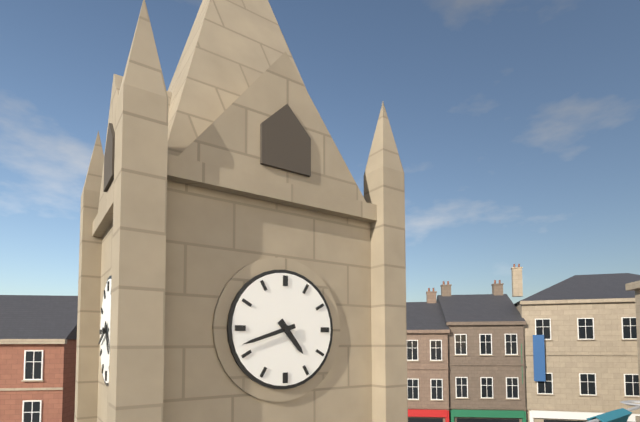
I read 4h42
